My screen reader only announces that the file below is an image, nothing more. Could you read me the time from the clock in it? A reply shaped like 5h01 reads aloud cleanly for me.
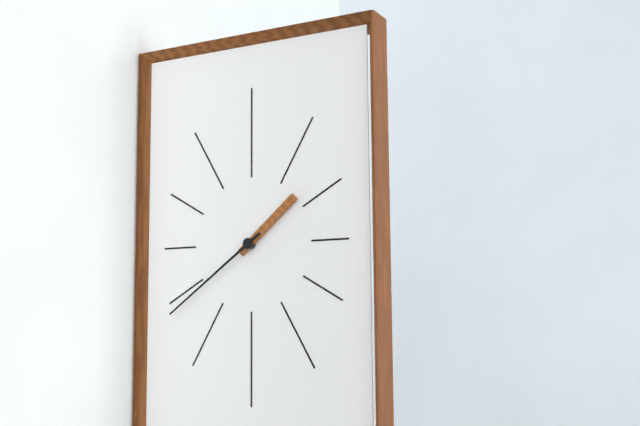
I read 1h39
